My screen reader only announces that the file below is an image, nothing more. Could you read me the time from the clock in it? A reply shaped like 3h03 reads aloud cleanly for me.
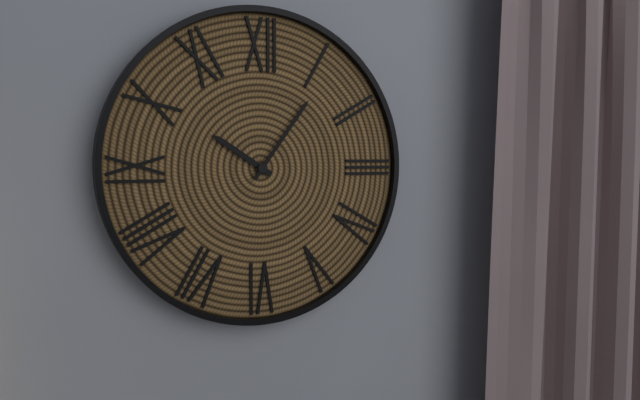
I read 10h06
